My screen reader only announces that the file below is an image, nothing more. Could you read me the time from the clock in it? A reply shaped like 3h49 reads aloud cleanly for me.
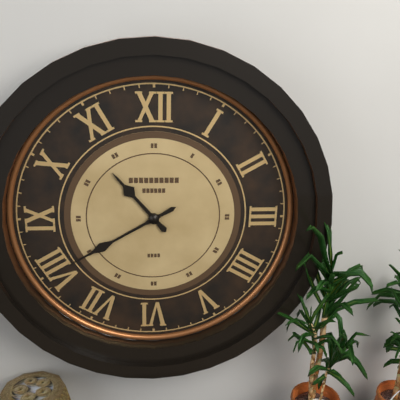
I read 10h40
